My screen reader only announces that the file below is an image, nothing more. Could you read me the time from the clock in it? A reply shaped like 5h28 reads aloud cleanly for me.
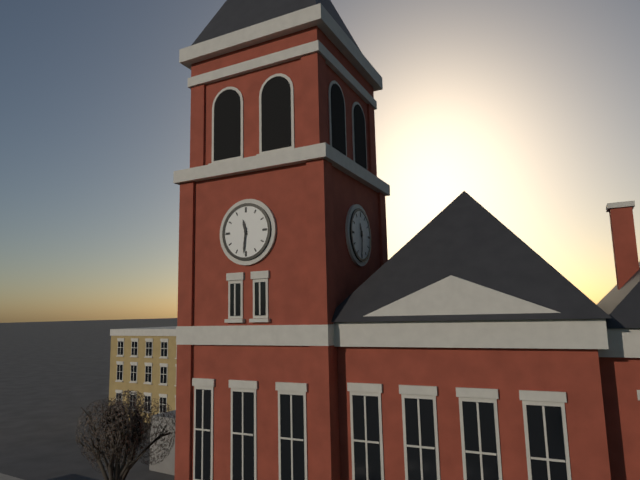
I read 11h31
